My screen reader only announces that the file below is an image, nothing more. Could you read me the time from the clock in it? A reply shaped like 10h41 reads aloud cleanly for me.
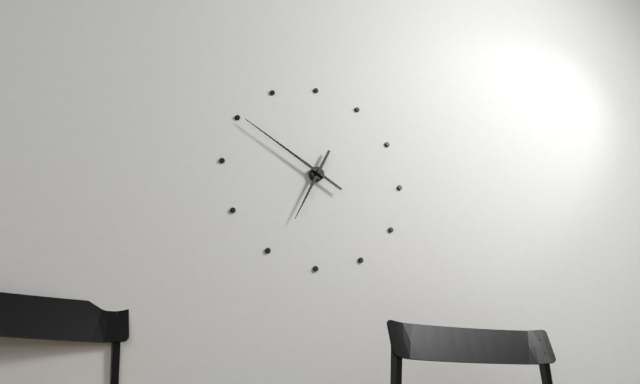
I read 6h50
